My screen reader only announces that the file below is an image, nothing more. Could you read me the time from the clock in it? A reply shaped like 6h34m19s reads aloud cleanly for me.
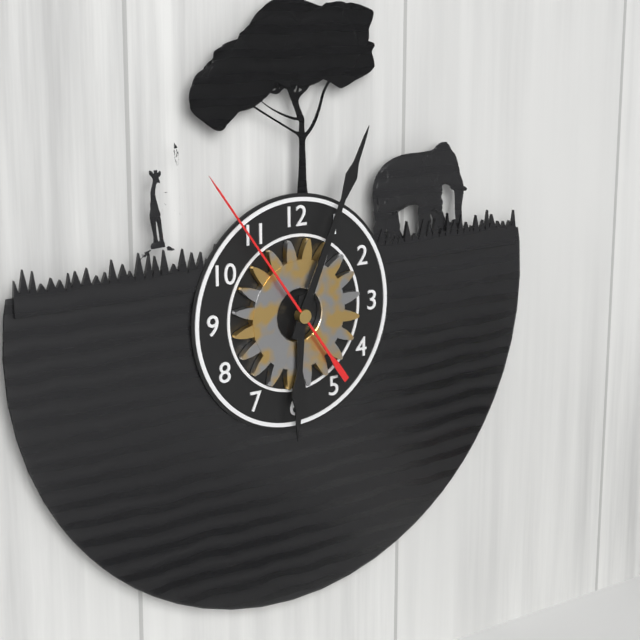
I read 6h04m54s
